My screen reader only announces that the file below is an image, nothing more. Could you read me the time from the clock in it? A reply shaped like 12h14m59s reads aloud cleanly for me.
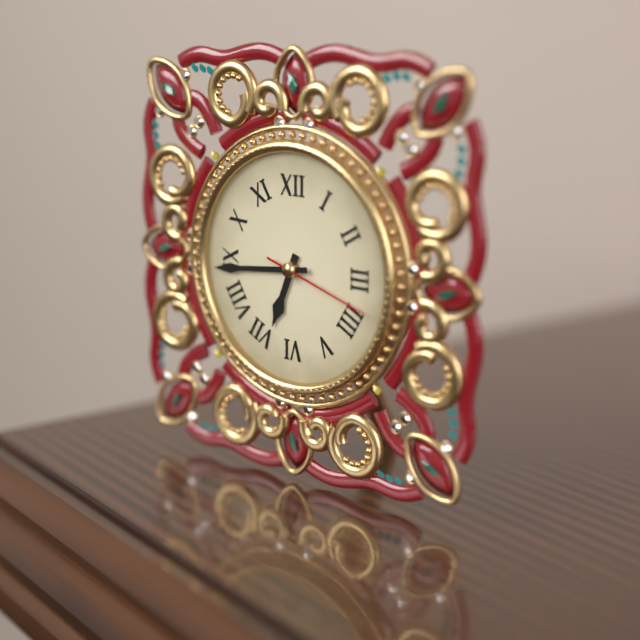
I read 6h44m18s
